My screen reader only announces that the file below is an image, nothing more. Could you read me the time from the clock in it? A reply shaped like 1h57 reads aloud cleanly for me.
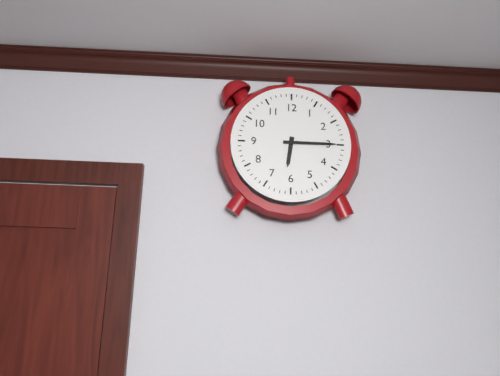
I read 6h15
